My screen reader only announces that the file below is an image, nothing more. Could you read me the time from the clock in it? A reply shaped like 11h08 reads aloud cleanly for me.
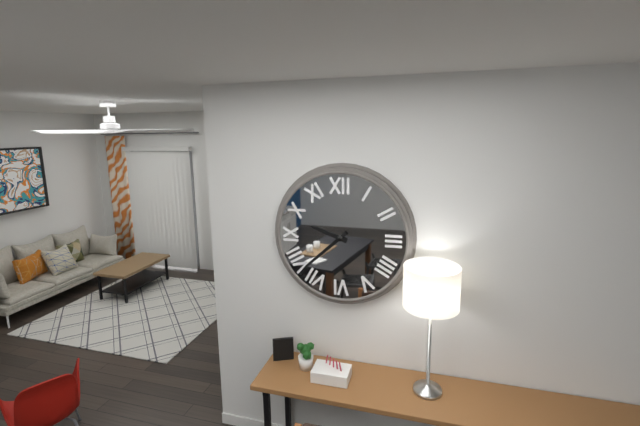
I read 9h38
